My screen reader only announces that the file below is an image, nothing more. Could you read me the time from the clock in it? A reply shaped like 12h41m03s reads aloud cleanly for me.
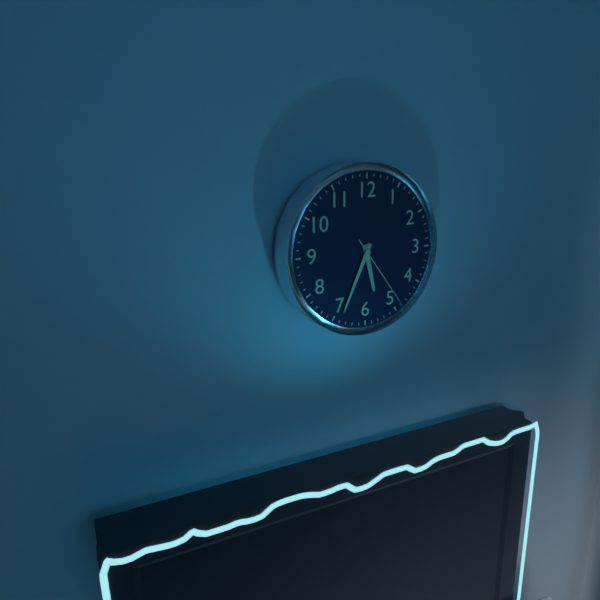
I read 5h34m24s
